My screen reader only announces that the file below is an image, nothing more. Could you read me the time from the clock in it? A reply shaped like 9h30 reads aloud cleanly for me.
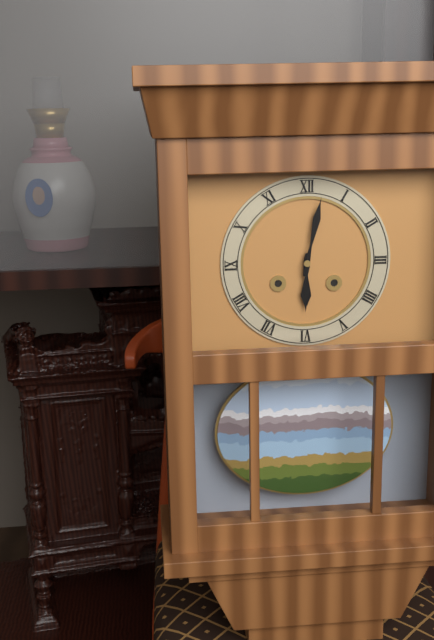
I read 6h02
